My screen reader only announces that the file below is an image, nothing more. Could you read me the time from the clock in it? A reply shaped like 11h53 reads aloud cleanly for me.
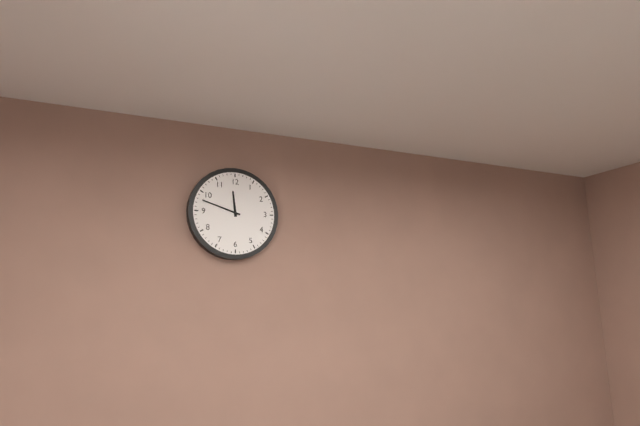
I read 11h48
